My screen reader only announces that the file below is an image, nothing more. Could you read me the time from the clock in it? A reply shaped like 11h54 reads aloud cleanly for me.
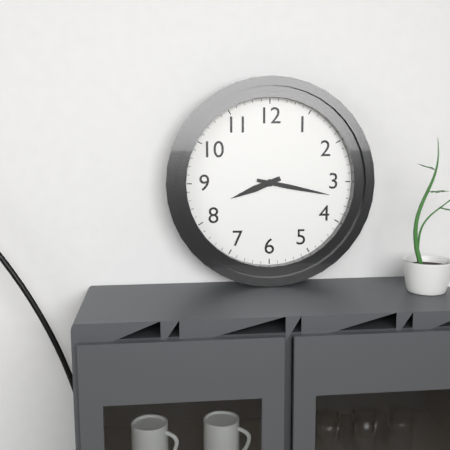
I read 8h17
